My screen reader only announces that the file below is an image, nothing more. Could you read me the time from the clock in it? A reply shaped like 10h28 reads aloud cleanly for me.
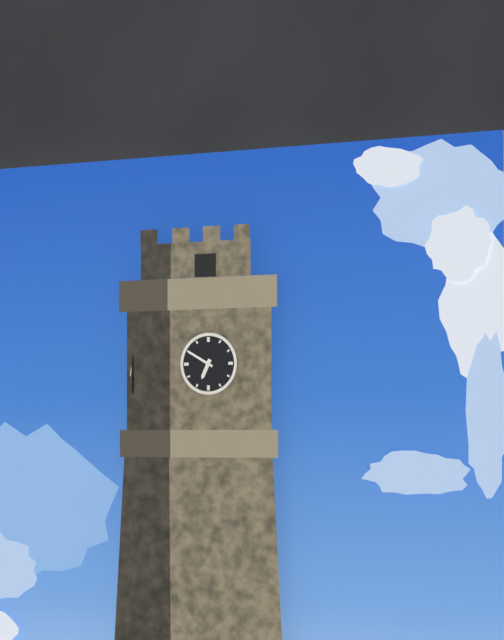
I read 6h50
